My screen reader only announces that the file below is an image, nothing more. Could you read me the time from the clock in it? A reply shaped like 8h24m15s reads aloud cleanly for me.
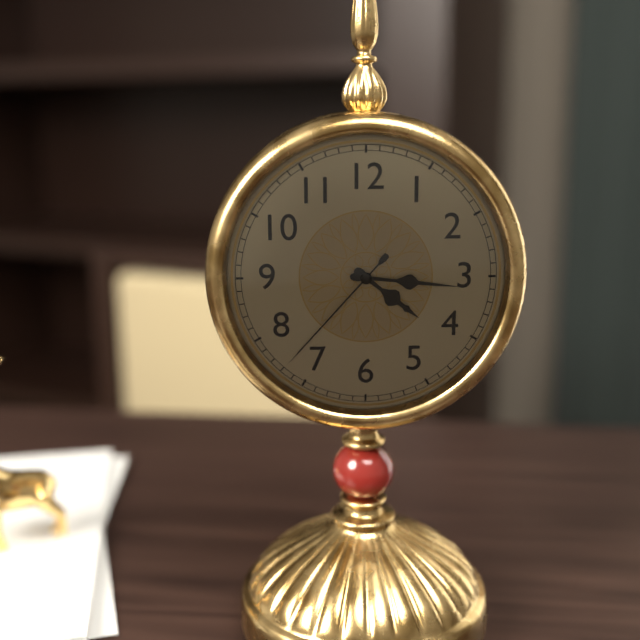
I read 4h16m37s
